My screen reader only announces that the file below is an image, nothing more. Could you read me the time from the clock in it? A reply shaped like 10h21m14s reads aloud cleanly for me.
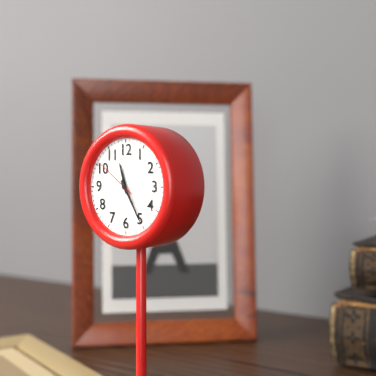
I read 11h25m51s
